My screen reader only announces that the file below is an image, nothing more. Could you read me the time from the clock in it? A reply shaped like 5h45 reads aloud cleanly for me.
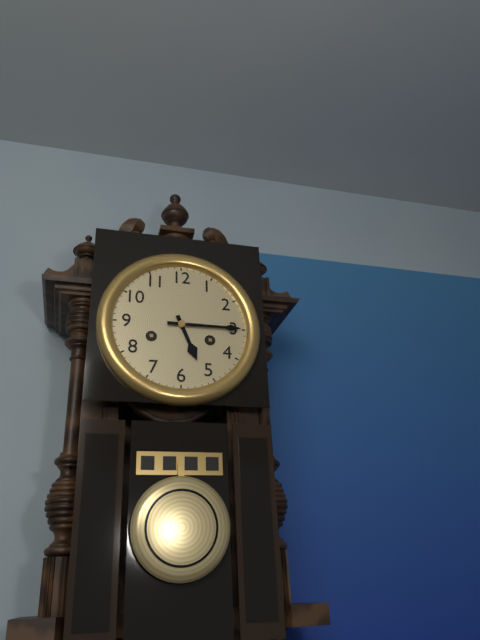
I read 5h15
